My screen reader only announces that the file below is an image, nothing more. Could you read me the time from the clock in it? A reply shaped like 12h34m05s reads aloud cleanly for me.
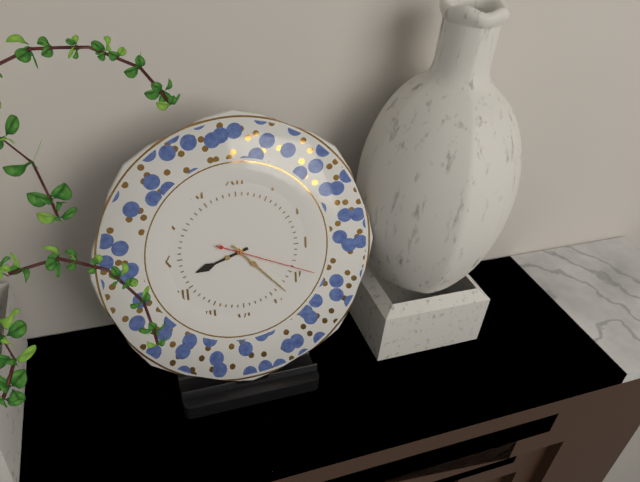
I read 8h23m19s
